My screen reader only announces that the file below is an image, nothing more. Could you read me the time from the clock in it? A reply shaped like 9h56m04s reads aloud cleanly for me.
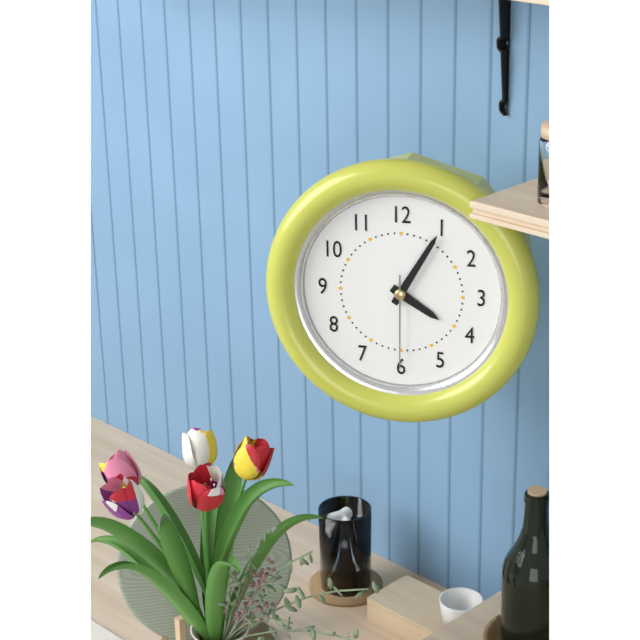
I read 4h05m30s
